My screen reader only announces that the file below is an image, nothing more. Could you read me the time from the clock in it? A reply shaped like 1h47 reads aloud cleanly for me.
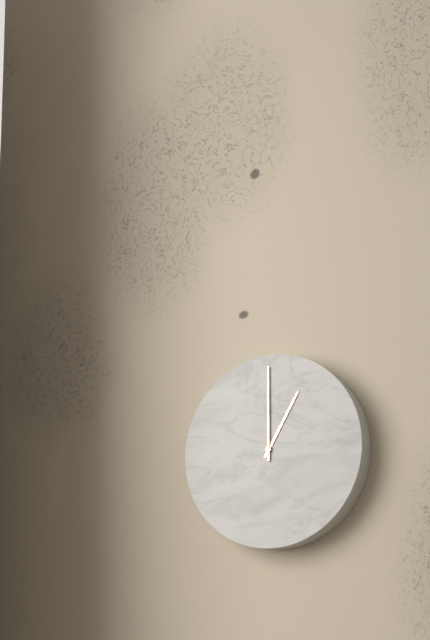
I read 1h00
